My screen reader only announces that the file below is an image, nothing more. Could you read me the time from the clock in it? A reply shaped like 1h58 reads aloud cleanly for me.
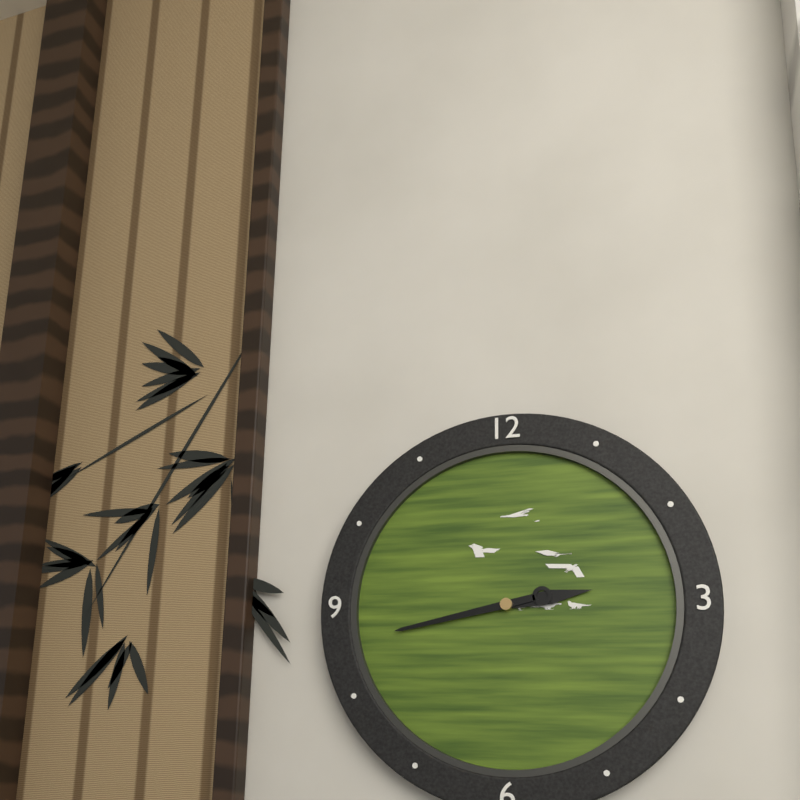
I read 2h43
